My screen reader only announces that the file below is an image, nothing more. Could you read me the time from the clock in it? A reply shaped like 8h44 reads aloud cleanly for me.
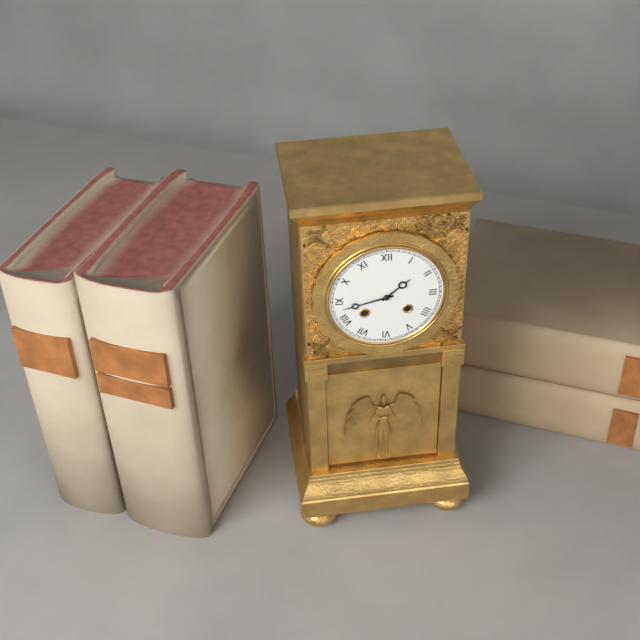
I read 1h43
